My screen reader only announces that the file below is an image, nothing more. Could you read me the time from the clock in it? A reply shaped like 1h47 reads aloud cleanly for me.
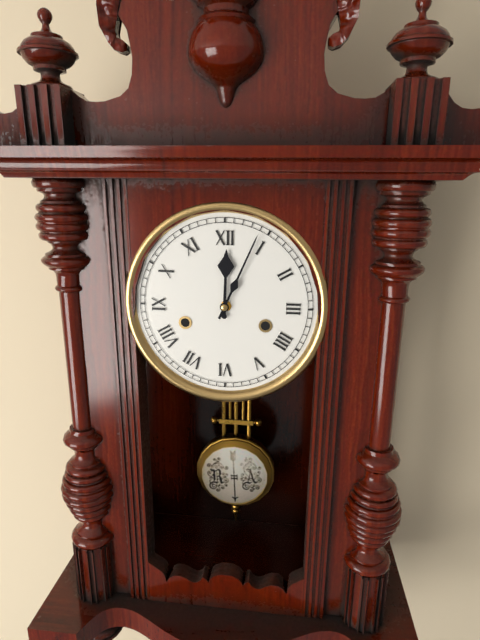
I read 12h04
